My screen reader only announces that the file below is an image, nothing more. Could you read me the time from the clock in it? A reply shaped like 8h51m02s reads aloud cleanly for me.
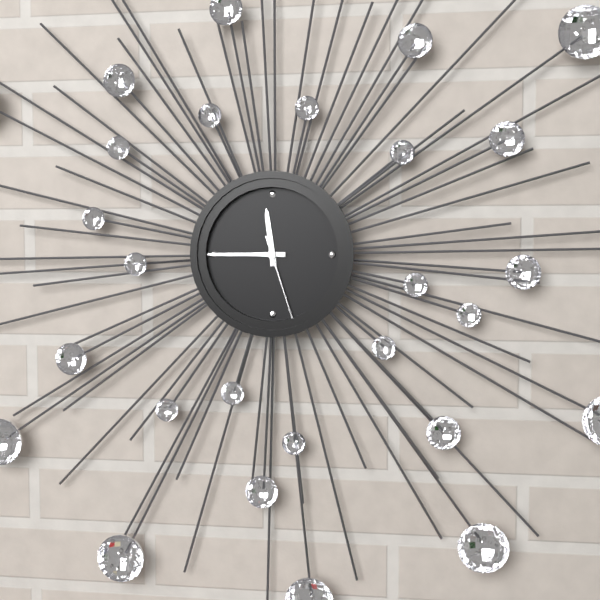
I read 11h45m27s
